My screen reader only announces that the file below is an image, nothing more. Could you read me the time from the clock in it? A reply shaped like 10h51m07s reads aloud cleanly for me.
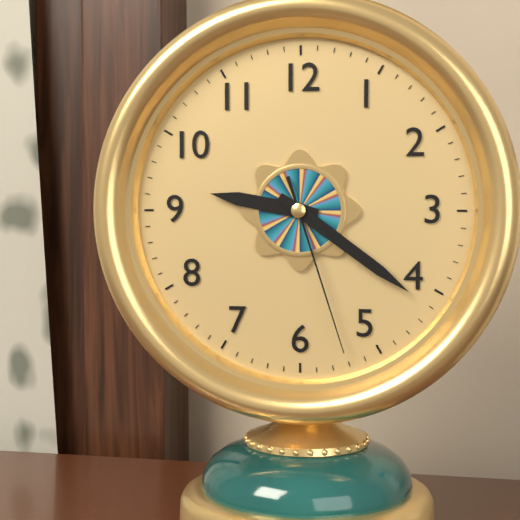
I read 9h21m27s
